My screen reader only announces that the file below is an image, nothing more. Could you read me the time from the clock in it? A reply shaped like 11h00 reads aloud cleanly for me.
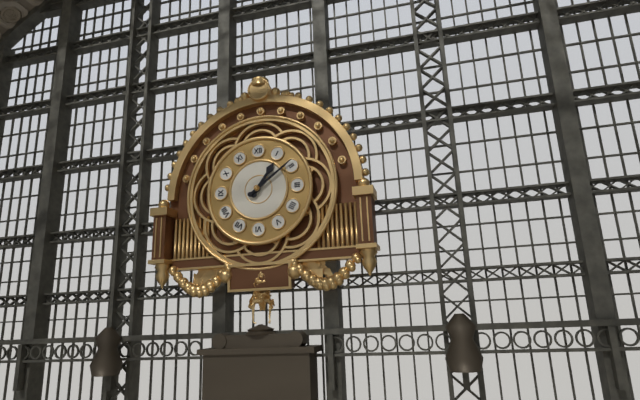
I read 1h09
